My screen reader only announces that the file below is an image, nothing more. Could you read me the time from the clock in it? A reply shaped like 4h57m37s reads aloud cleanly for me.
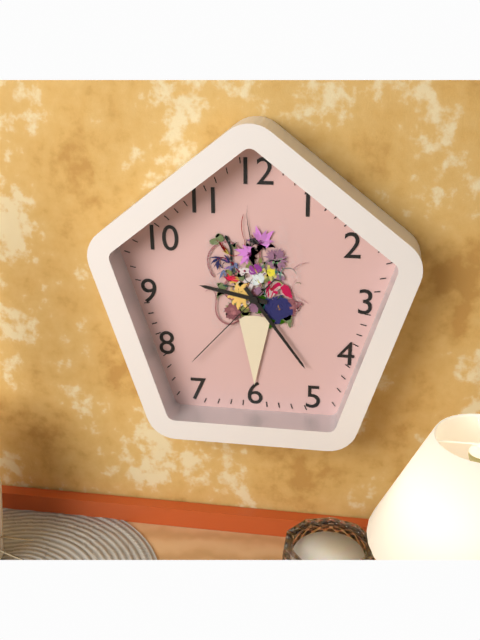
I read 9h24m37s
